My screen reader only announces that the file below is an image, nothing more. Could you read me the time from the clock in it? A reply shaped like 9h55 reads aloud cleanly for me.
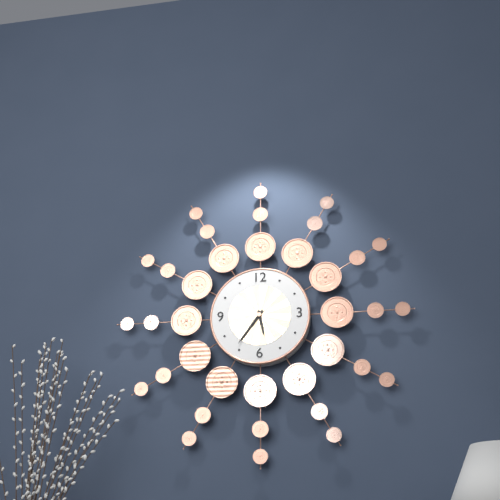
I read 5h36
